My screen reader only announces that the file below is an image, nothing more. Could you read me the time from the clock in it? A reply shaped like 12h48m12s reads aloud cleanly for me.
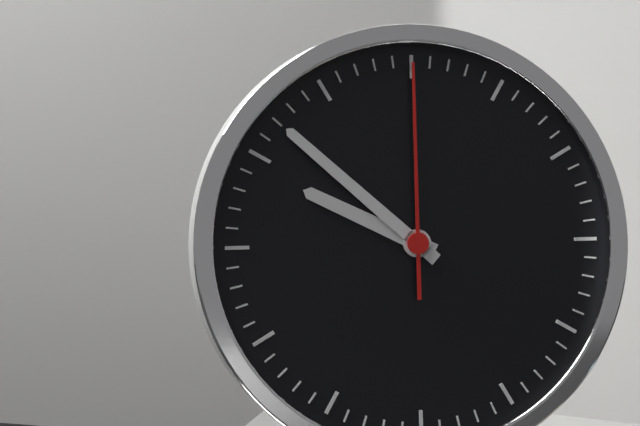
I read 9h52m00s
